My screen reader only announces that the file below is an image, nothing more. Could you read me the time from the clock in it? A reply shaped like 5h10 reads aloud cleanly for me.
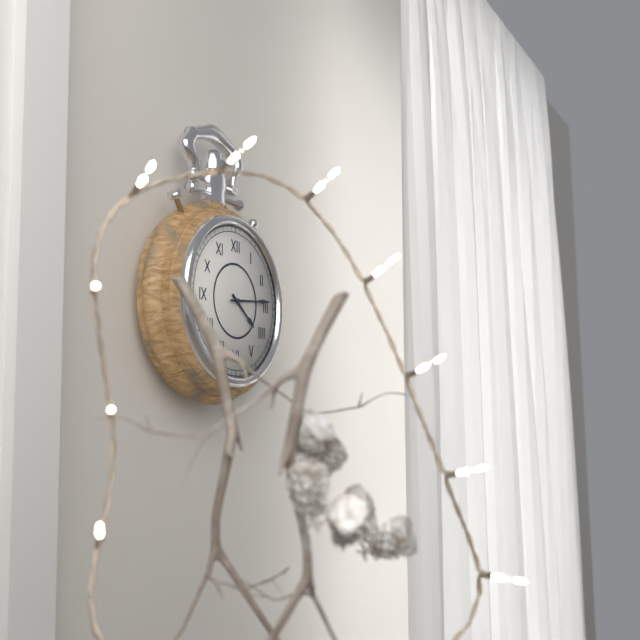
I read 4h14
